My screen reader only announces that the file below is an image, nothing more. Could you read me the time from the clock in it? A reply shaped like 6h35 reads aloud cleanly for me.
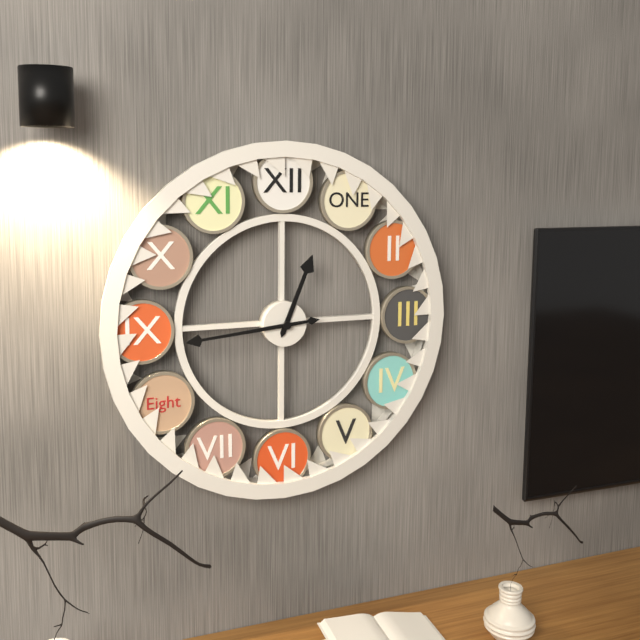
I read 12h44
